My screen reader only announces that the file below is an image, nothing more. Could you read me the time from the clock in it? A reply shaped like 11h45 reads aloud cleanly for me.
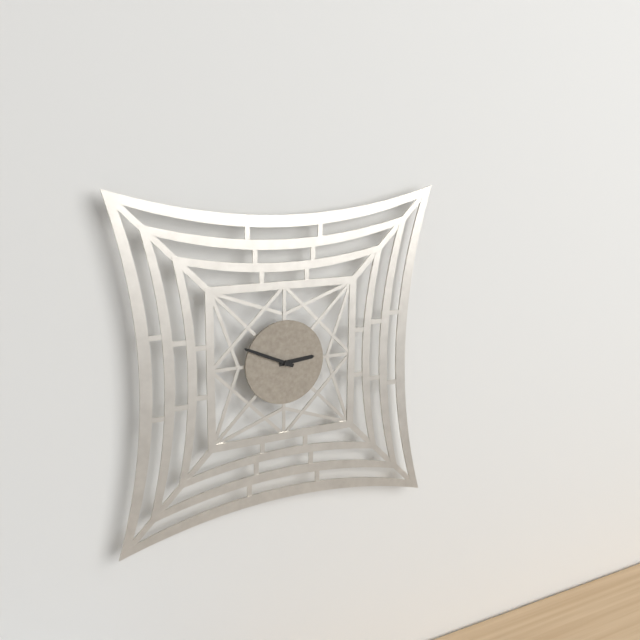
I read 2h49
